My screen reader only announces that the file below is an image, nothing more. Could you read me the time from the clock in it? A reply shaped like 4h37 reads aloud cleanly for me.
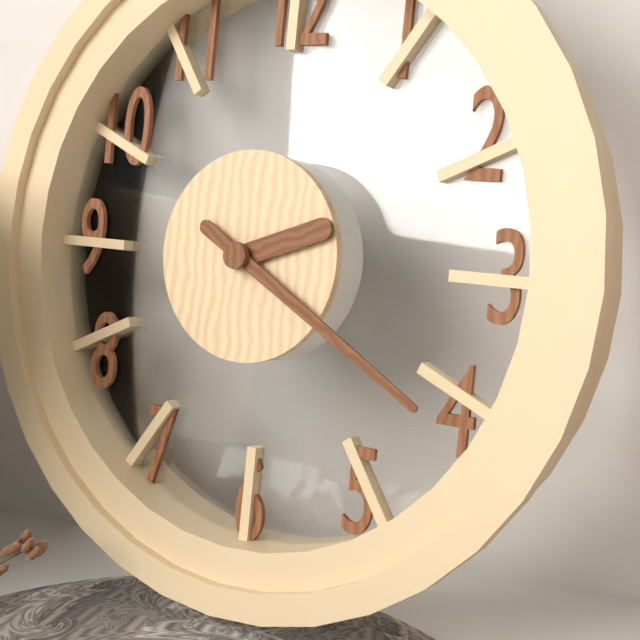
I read 2h20
